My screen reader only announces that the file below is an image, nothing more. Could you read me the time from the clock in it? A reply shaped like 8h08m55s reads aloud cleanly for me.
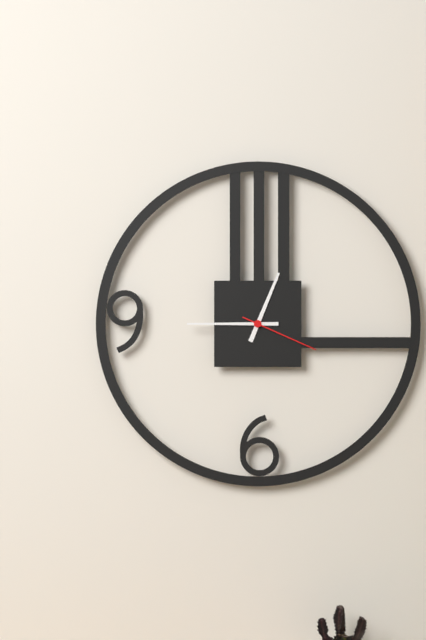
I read 12h45m19s
